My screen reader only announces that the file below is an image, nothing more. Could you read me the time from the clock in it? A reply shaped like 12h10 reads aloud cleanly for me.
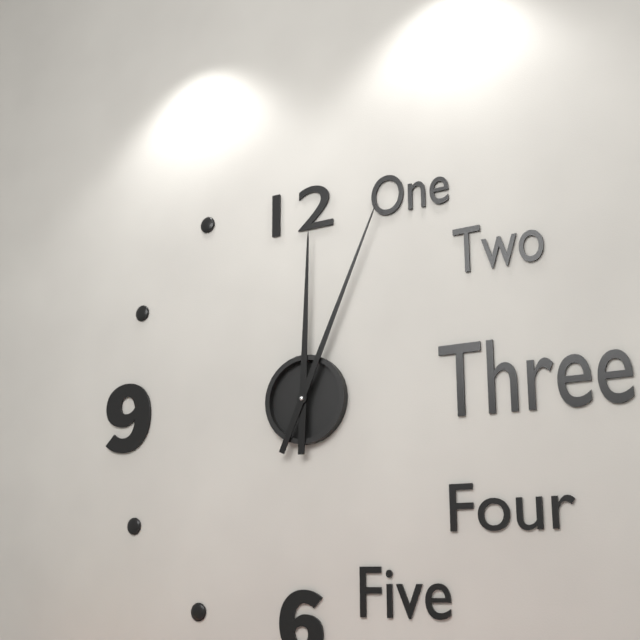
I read 12h04
